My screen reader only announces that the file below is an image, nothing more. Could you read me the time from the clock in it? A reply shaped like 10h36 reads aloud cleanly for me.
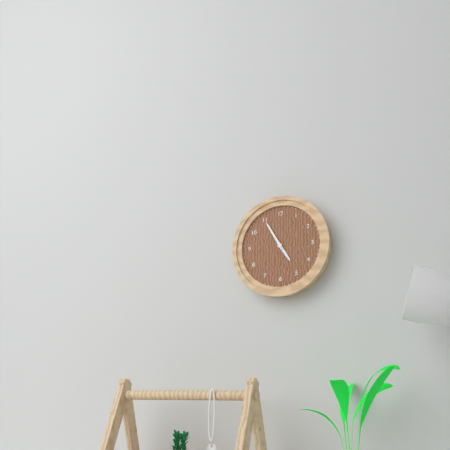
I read 4h55
